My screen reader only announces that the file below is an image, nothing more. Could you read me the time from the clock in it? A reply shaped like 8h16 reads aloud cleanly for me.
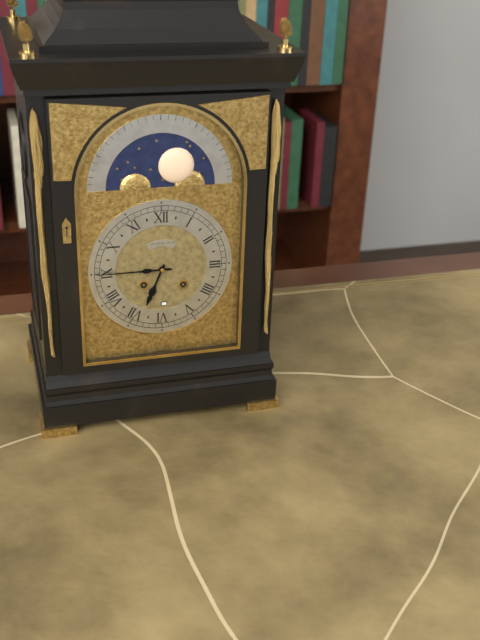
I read 6h45
